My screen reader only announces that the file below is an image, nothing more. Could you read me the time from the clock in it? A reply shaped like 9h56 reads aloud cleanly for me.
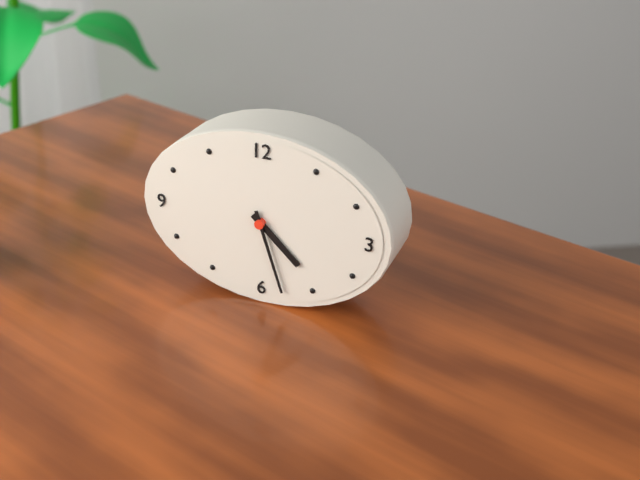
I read 4h27
